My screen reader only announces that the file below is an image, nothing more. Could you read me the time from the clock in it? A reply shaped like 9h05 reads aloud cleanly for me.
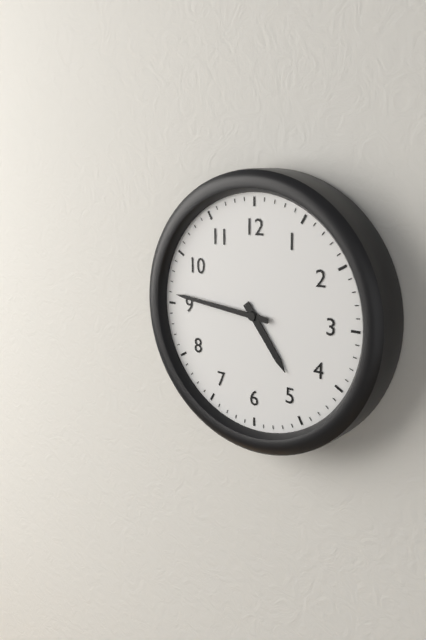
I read 4h46
